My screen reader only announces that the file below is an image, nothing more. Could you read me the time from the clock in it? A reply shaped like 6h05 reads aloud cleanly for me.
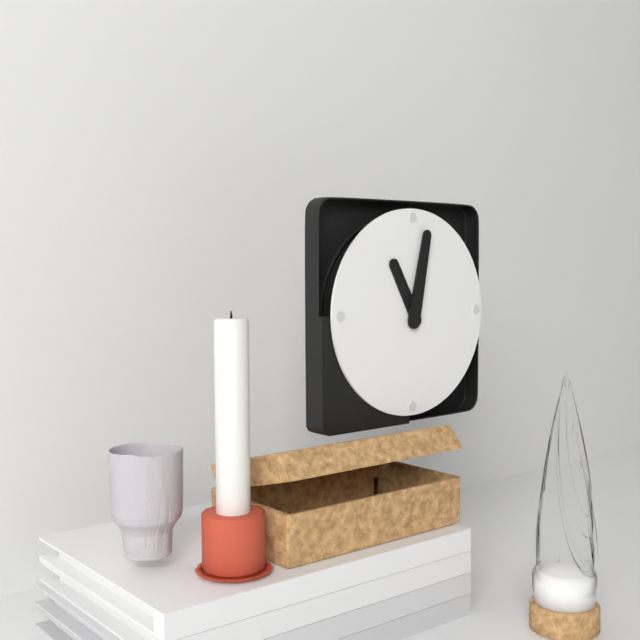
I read 11h02
